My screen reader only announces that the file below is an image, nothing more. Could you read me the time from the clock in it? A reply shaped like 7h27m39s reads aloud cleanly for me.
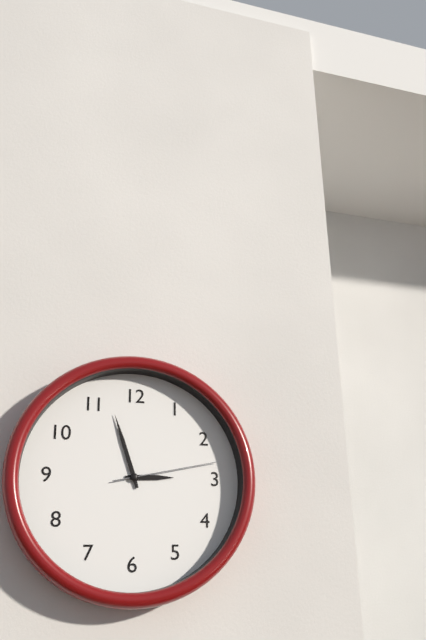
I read 2h57m13s
